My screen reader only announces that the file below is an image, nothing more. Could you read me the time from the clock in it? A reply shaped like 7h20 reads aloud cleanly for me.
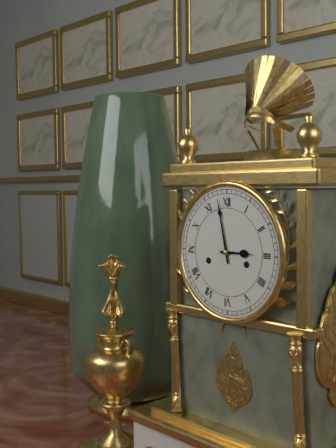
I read 2h58
